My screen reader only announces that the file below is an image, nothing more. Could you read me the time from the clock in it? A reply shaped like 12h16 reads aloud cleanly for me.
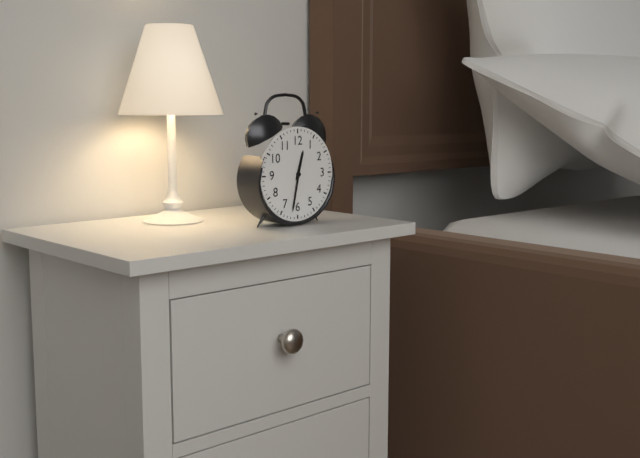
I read 12h32
